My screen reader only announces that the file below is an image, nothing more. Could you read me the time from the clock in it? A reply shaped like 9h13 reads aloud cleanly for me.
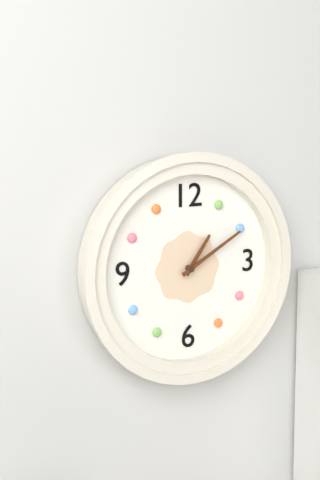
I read 1h10
